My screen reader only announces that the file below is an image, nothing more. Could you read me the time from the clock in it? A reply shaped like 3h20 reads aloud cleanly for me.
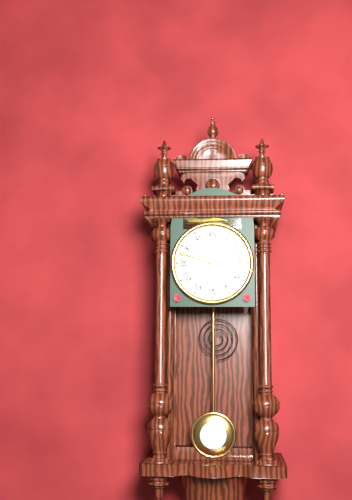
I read 9h48
